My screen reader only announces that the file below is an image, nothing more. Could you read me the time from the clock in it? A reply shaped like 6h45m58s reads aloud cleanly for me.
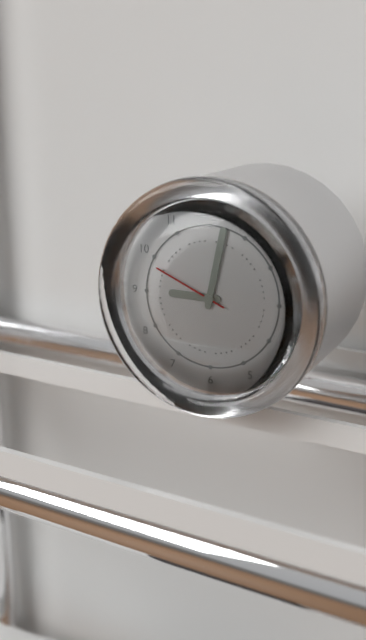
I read 9h02m49s
